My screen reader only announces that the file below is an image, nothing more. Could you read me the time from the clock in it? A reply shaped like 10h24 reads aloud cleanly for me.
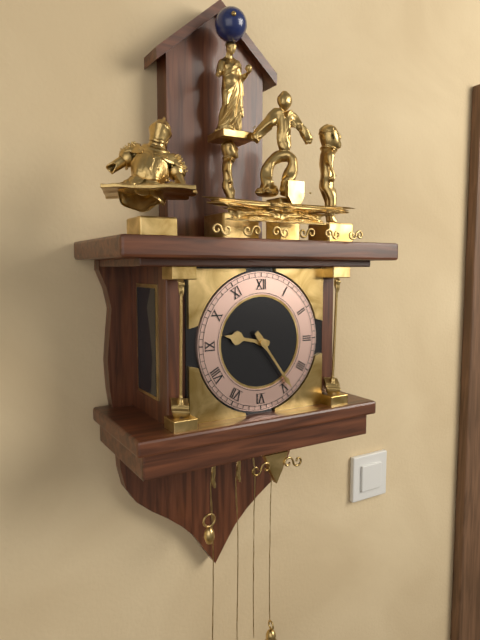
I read 9h24
